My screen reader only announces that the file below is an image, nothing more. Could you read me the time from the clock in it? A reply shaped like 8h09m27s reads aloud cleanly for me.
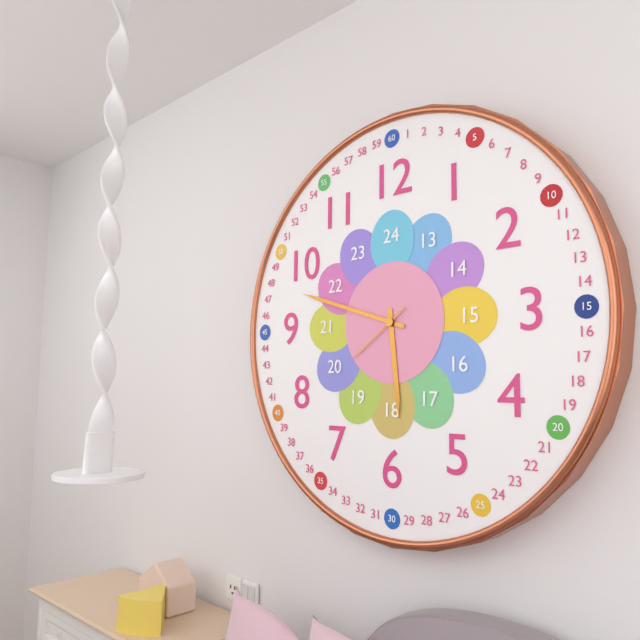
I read 5h48m39s
